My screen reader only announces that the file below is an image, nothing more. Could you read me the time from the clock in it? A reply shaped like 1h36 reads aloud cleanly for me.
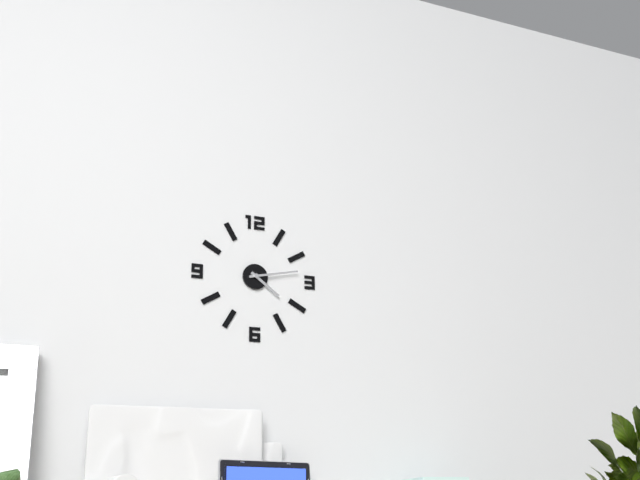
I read 4h13
